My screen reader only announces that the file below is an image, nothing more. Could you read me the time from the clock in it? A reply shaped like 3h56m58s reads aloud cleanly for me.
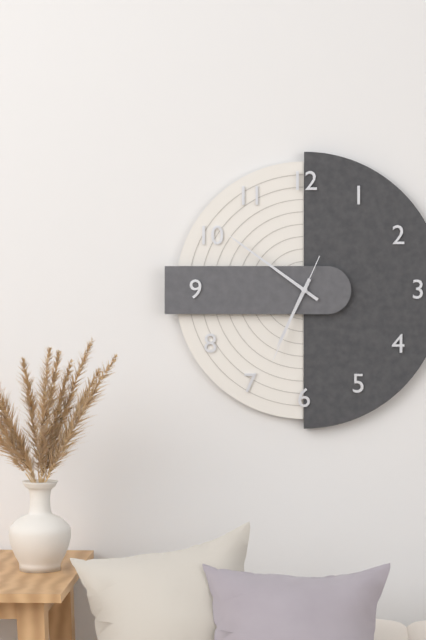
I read 6h51m34s
